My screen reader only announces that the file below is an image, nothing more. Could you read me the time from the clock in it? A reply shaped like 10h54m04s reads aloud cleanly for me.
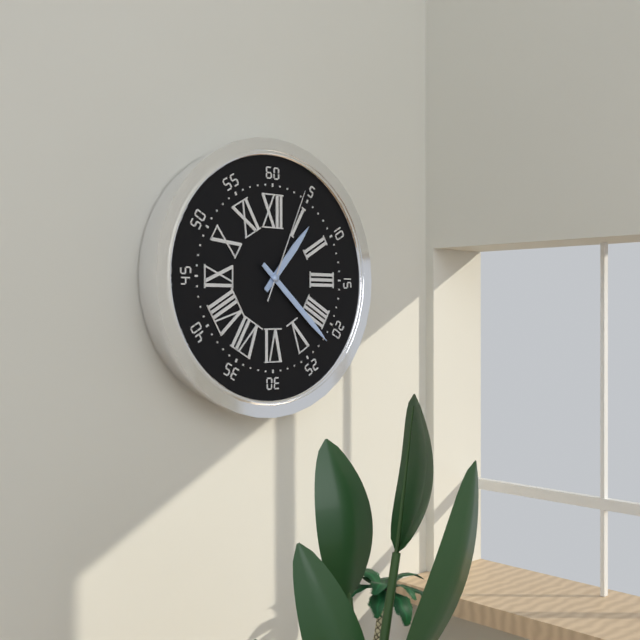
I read 1h22m04s
